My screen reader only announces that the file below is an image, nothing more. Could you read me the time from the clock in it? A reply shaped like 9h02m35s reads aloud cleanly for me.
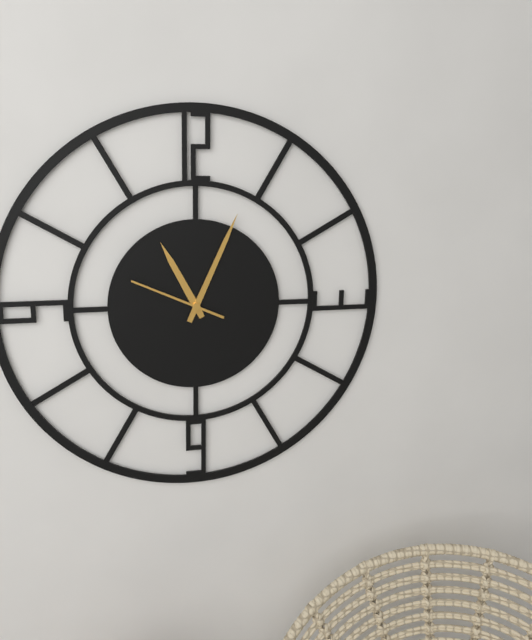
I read 11h04m49s
